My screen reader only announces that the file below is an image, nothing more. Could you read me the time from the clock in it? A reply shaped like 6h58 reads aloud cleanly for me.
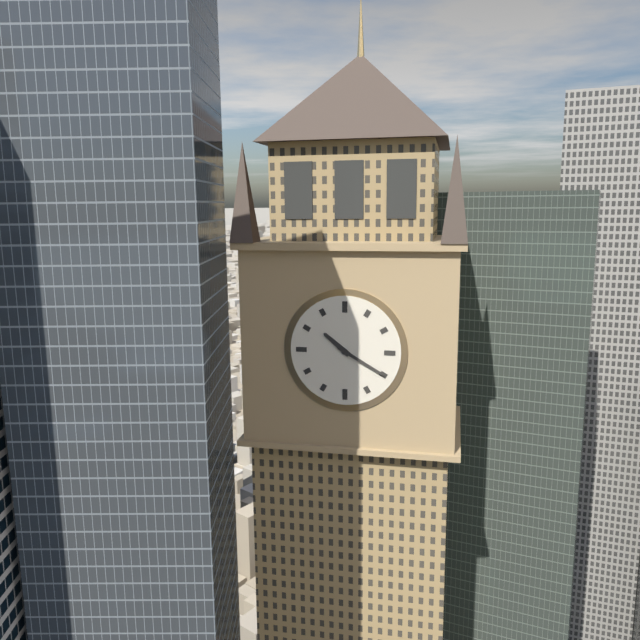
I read 10h20
